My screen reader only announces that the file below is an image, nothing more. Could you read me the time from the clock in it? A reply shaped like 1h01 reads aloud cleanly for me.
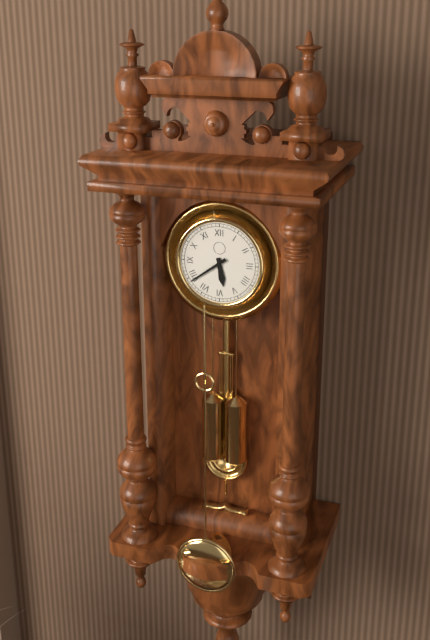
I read 5h39
